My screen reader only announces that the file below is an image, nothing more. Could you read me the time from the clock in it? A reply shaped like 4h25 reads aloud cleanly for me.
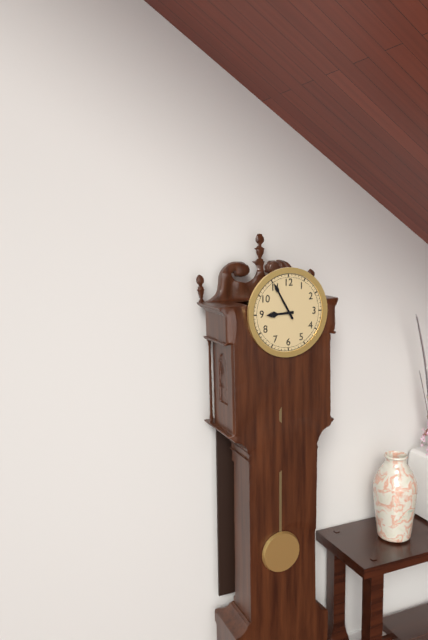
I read 8h55
